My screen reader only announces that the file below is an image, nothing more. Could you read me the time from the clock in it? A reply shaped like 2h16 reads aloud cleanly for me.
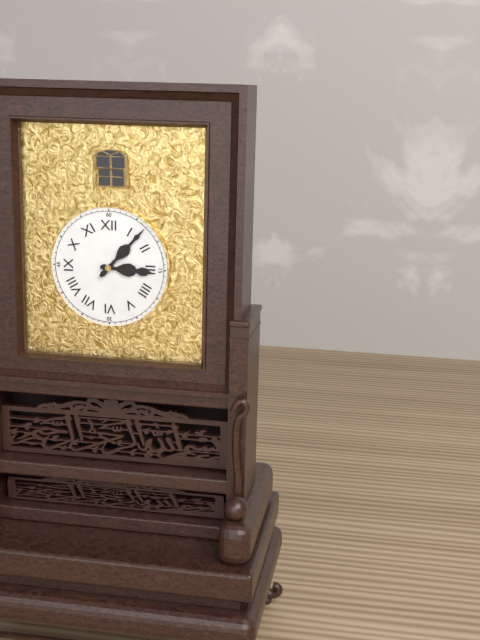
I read 3h07
